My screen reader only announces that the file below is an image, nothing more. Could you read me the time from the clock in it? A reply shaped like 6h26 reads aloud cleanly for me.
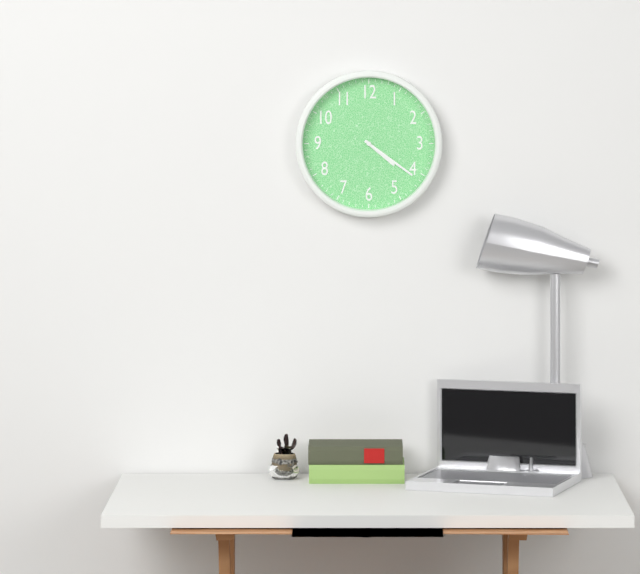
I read 4h21
